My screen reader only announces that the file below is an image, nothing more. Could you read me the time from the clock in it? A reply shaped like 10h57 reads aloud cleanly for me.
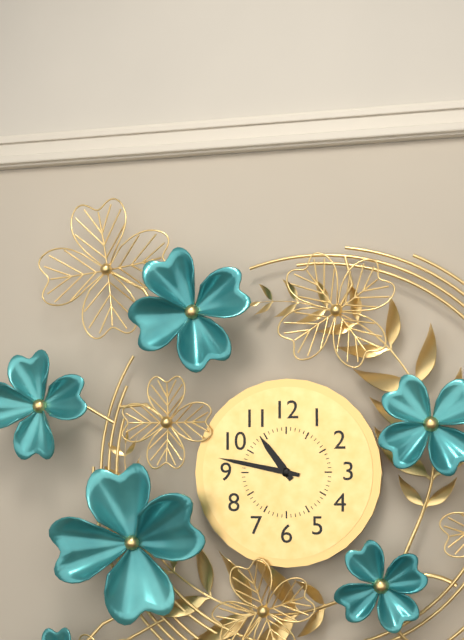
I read 10h47
